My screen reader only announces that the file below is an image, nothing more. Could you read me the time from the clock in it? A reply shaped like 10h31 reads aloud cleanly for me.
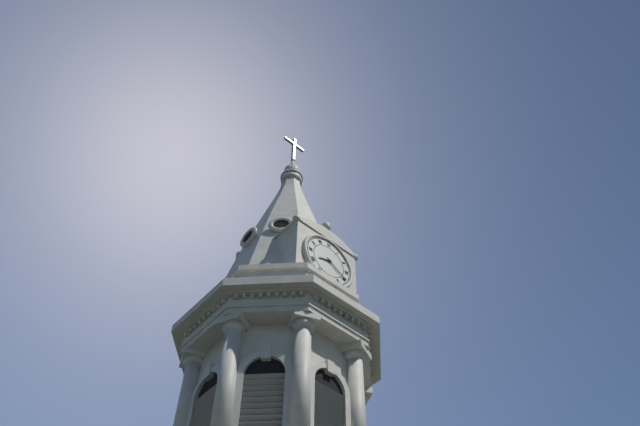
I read 8h20
